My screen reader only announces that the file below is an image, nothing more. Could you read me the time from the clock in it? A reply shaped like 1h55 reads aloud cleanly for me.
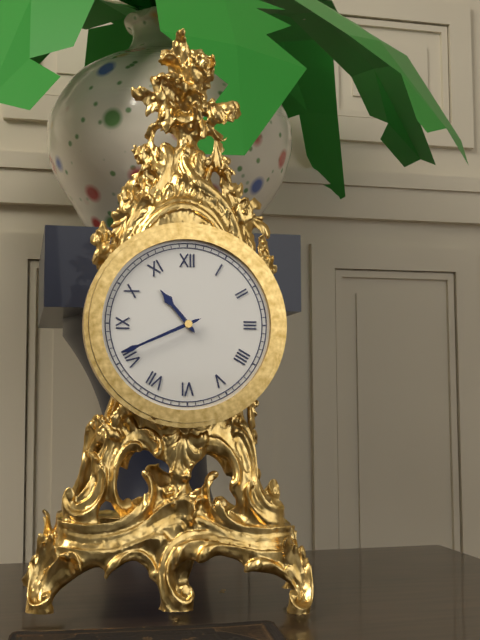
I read 10h41
